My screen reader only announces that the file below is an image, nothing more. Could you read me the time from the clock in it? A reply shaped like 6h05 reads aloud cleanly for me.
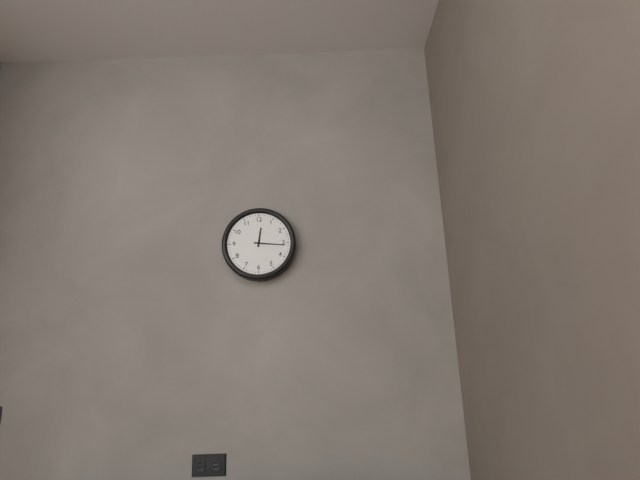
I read 12h16
